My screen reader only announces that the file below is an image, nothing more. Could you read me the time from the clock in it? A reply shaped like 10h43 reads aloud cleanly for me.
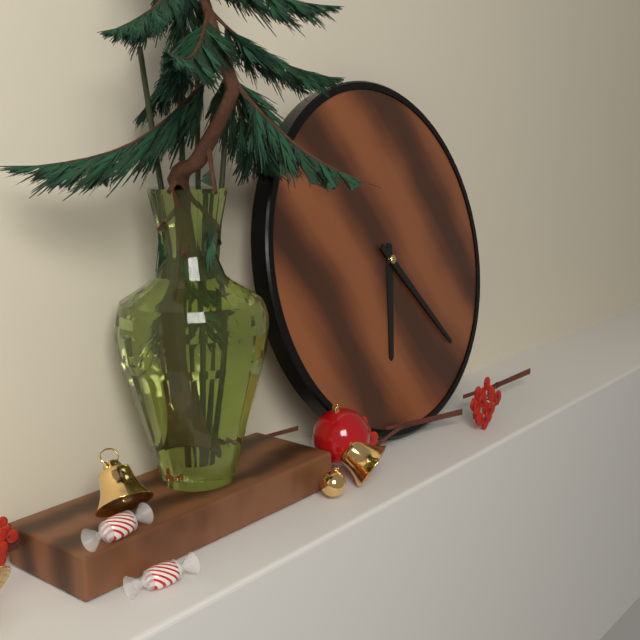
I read 6h23
